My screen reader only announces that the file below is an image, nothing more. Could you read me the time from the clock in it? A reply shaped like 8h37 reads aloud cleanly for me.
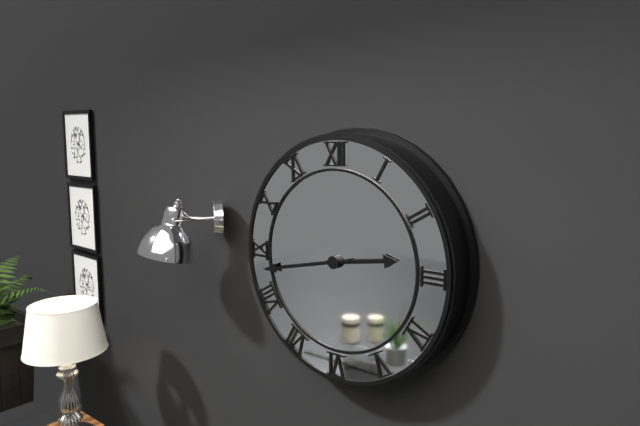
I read 2h43
